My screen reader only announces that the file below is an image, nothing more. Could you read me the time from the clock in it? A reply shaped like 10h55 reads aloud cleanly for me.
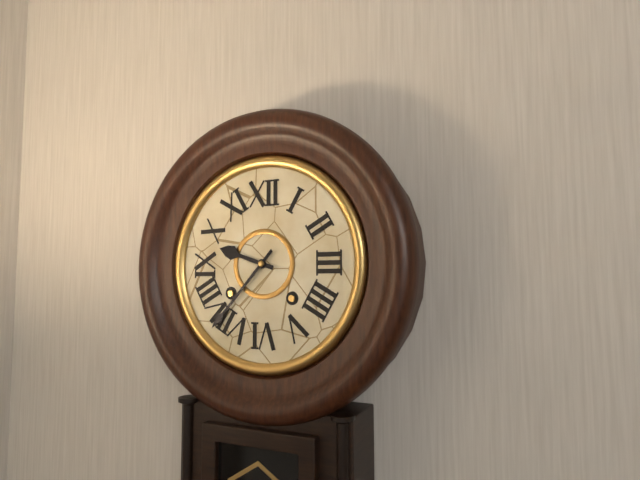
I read 9h37
